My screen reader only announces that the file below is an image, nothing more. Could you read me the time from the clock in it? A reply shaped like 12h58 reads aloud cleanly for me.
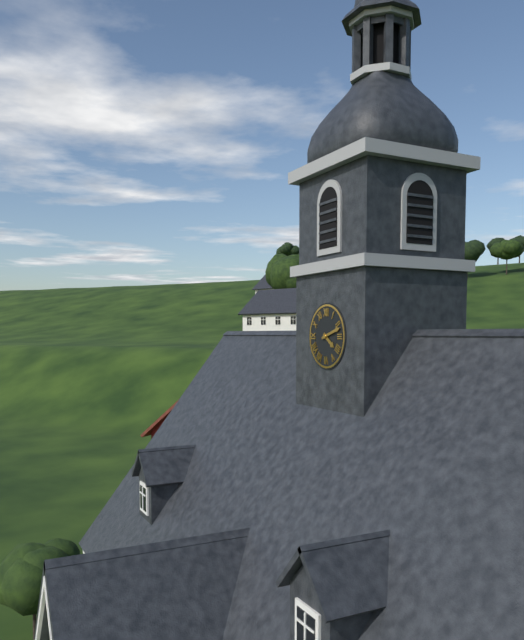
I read 4h12
